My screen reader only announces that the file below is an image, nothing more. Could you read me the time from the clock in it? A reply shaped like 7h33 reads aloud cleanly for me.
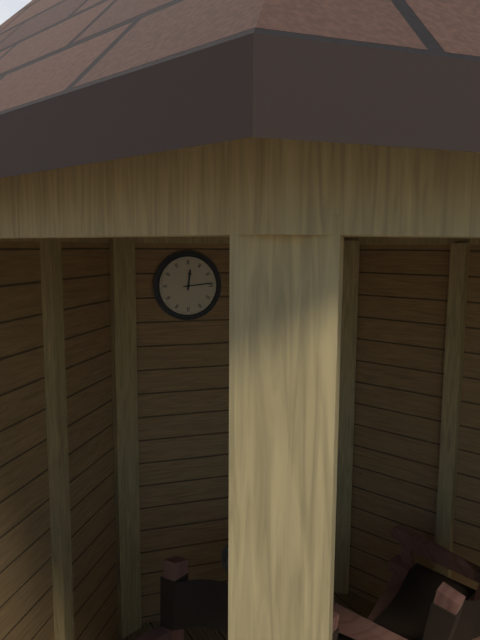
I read 12h14
